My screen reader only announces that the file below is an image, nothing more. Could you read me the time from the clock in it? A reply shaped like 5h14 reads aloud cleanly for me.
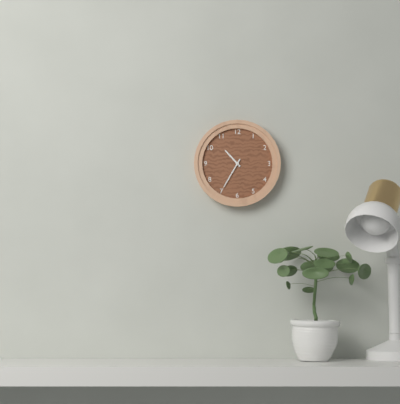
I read 10h35
